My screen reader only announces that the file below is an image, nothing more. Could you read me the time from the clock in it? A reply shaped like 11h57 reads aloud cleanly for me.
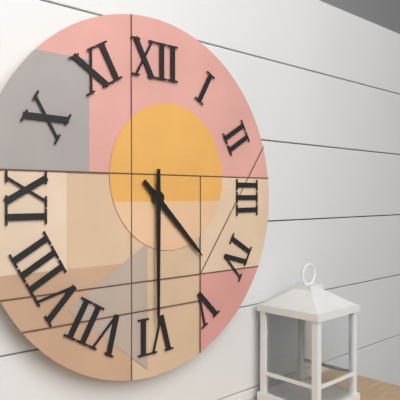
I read 4h30
